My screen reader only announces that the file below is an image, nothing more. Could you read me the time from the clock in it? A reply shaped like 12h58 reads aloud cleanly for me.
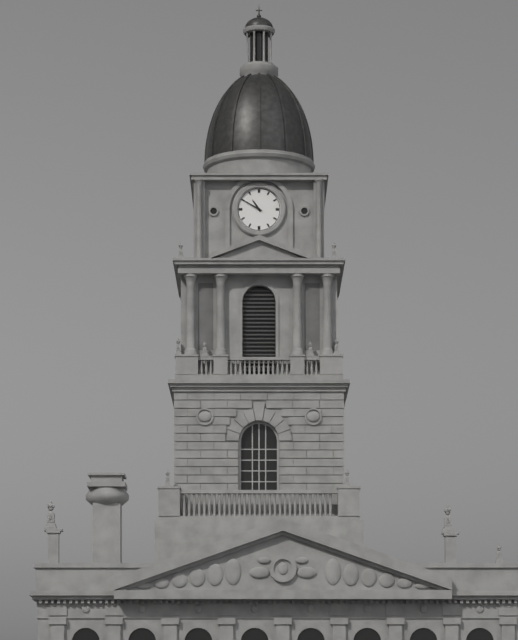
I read 10h50
